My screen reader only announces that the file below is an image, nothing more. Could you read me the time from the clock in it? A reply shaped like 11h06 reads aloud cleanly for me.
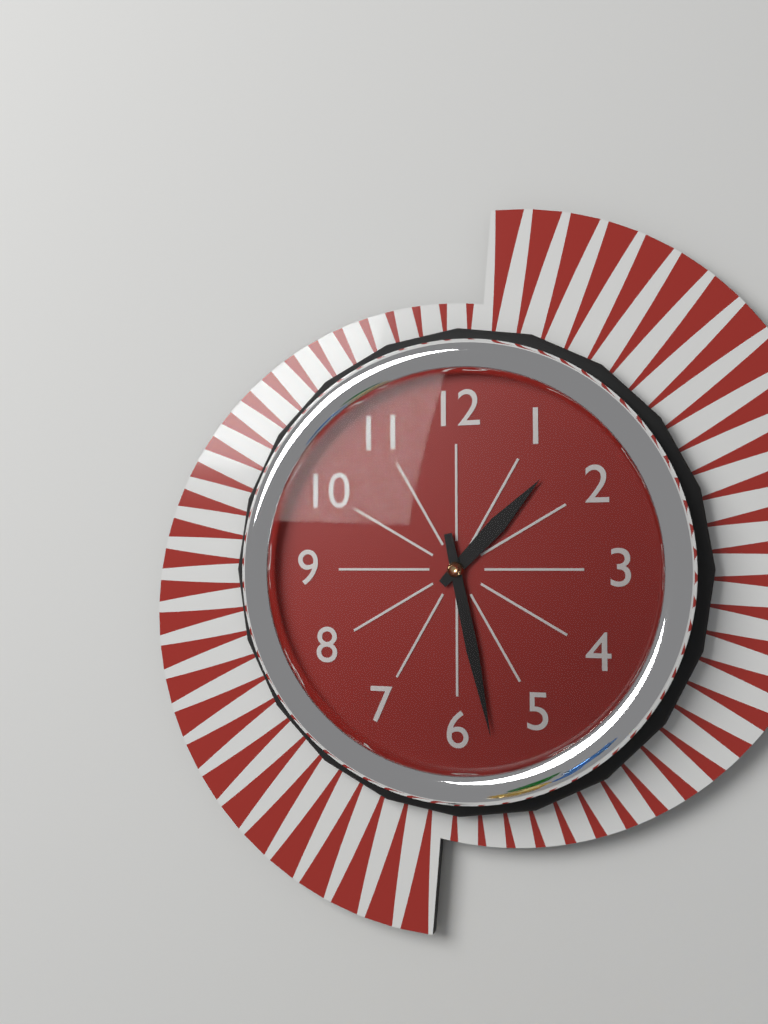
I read 1h28
